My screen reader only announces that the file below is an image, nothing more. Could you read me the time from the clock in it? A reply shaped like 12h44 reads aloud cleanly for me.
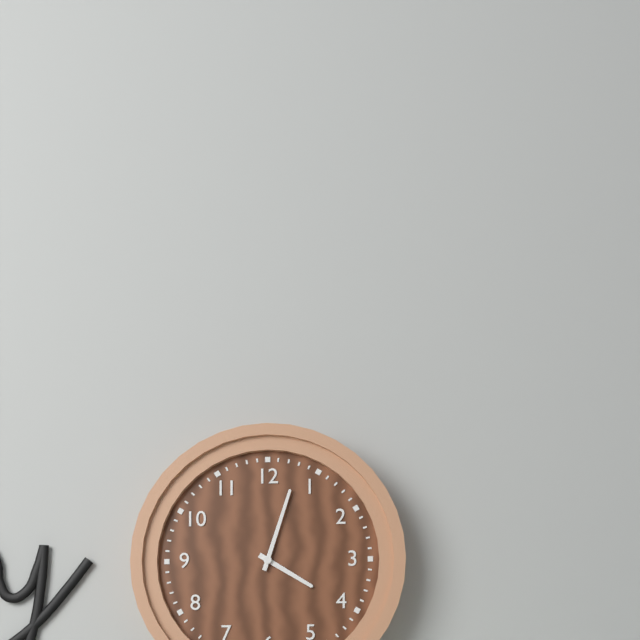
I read 4h03
